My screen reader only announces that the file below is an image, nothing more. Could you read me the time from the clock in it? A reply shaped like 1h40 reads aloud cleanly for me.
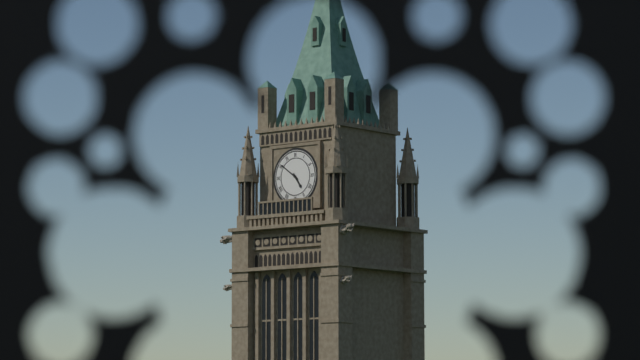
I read 4h51
